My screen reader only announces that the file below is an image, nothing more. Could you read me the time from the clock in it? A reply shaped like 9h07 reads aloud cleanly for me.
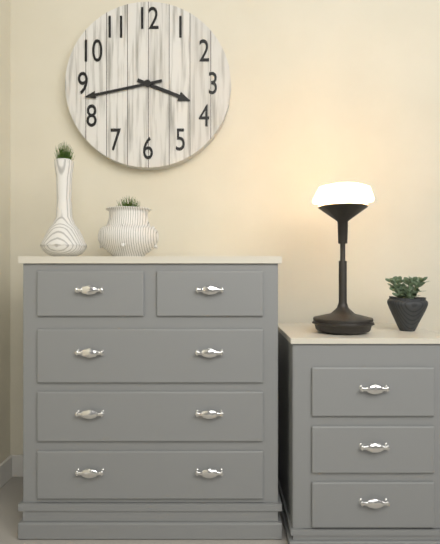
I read 3h43
